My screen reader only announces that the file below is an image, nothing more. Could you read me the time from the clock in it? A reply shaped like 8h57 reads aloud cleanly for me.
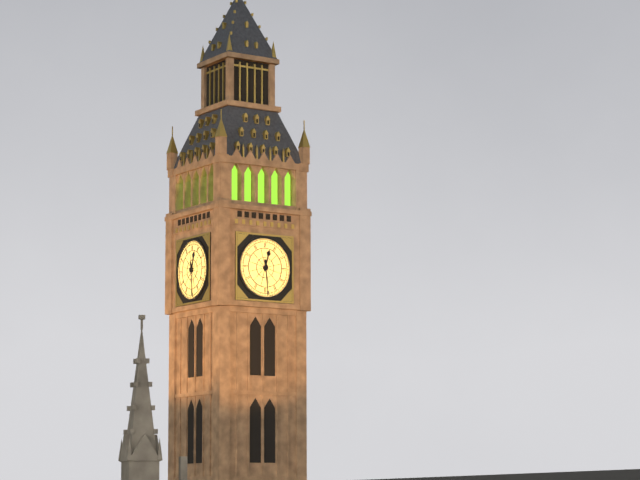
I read 12h29
